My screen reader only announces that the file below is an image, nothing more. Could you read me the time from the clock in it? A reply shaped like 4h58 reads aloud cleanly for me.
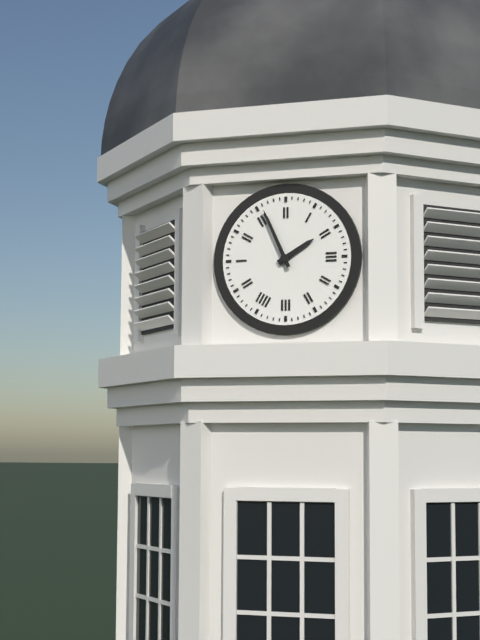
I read 1h56
